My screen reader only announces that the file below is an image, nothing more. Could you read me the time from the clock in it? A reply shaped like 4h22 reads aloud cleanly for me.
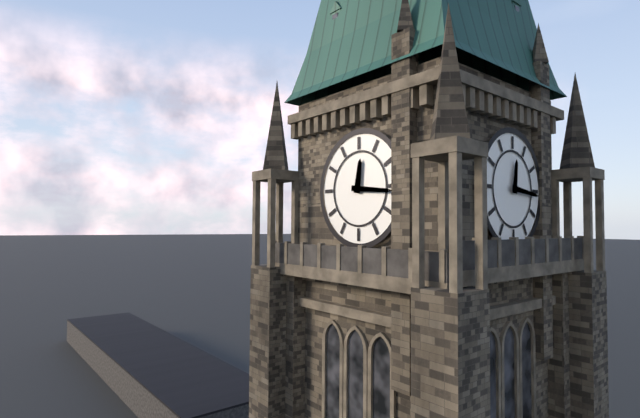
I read 12h16
